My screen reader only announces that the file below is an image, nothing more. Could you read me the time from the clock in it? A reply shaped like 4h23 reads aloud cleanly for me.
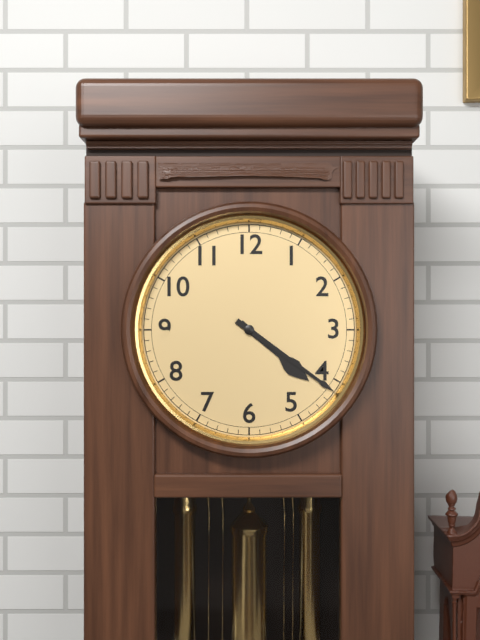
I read 4h21
